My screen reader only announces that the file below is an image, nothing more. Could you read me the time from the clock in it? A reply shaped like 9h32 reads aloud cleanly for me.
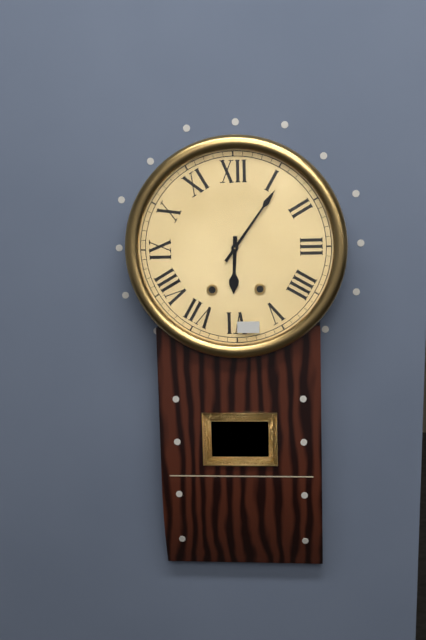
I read 6h06
